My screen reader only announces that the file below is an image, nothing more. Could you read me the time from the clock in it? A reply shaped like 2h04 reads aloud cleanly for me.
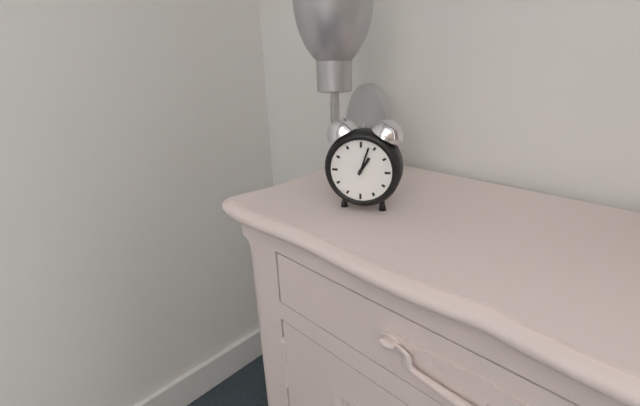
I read 1h03
